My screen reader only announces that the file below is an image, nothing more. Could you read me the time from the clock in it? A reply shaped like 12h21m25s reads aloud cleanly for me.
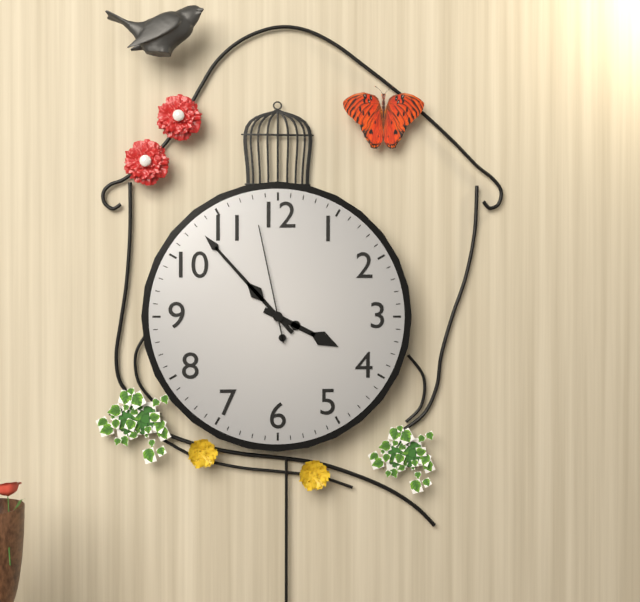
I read 3h53m58s
